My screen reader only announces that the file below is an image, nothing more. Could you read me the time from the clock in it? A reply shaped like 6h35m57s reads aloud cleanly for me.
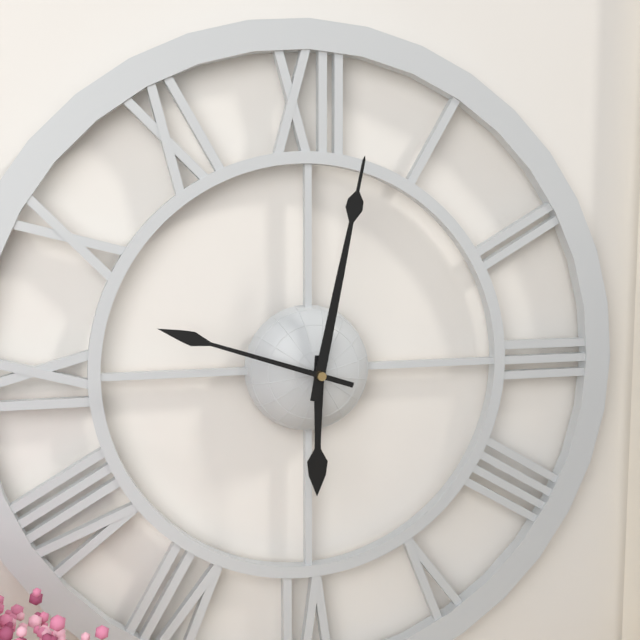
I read 6h02m48s
